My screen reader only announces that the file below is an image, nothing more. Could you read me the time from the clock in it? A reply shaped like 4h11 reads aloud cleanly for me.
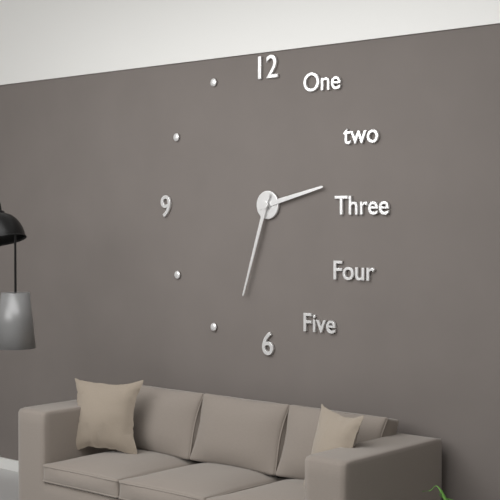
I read 2h33
